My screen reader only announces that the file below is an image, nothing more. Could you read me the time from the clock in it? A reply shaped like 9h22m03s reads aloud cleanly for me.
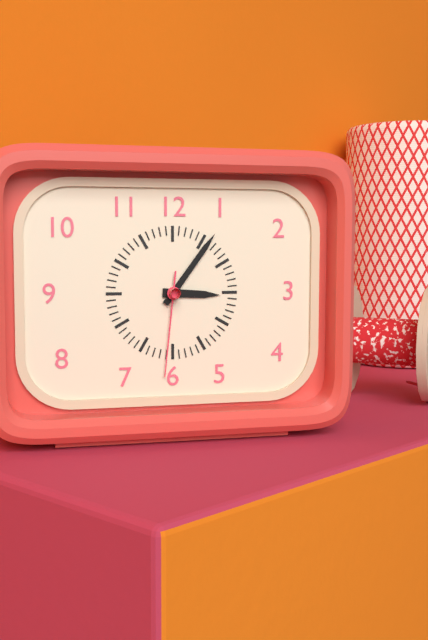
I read 3h06m31s
